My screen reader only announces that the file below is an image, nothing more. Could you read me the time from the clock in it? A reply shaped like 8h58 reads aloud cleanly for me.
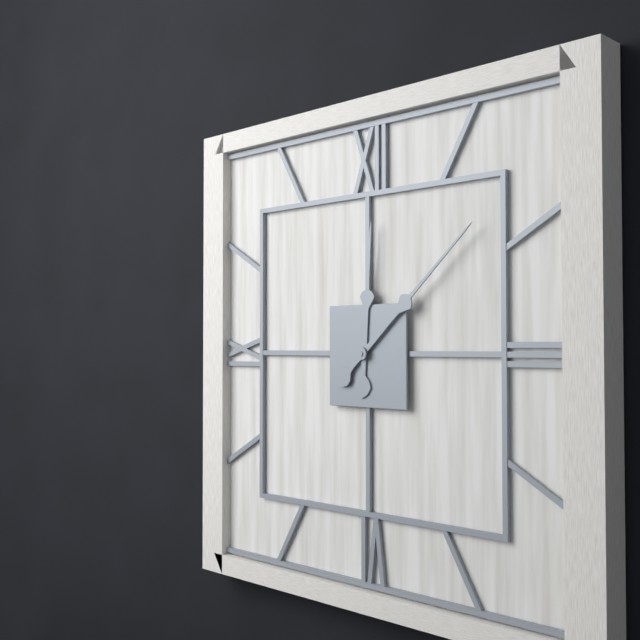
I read 12h08
